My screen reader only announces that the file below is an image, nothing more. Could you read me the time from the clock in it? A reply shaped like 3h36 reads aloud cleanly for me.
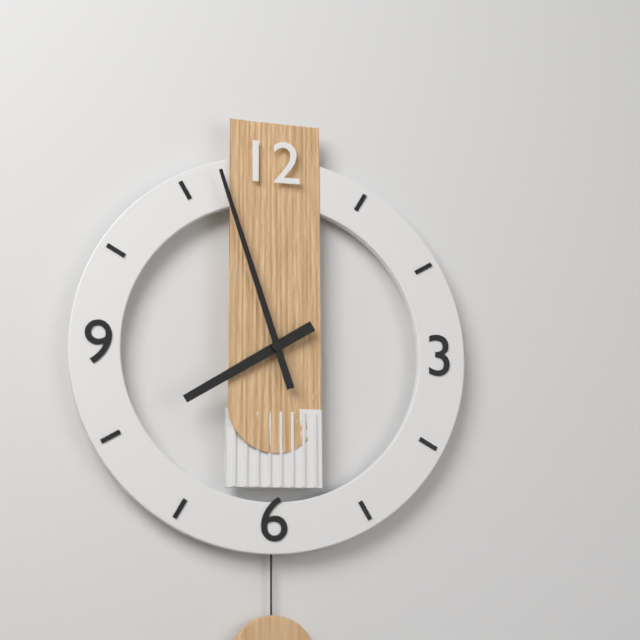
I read 7h57
